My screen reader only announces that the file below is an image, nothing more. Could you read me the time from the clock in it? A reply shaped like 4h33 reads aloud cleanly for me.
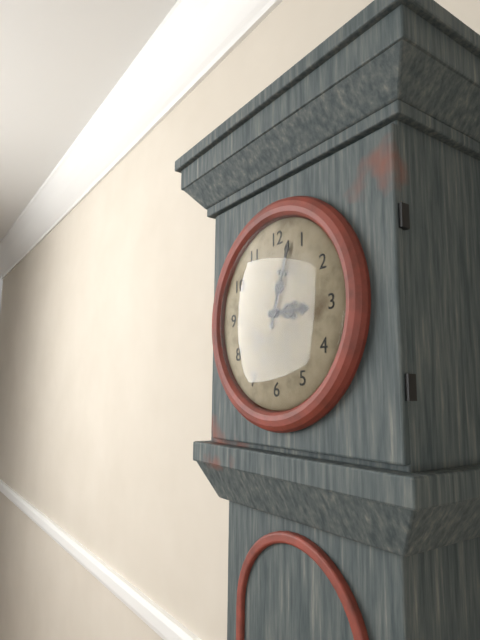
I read 3h03
